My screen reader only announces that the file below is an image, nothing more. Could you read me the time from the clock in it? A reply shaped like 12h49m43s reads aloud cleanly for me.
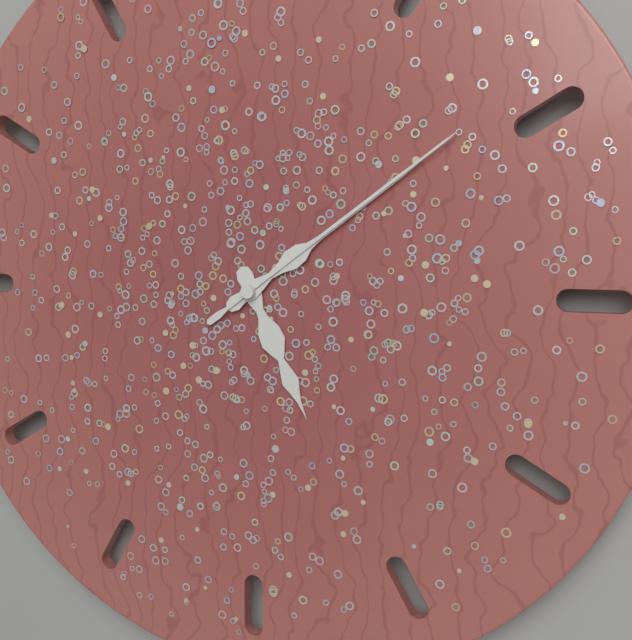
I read 5h09m09s
